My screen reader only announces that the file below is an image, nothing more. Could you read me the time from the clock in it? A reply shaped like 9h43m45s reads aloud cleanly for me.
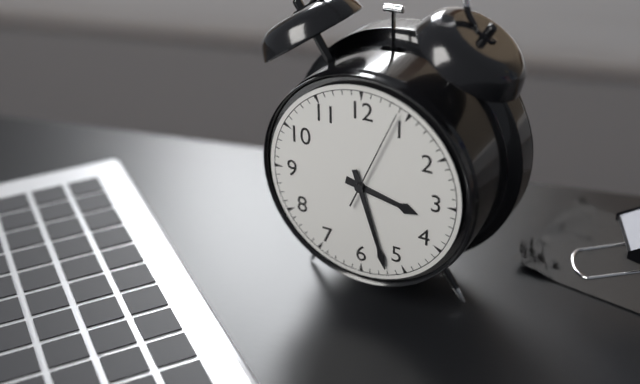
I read 3h27m04s
